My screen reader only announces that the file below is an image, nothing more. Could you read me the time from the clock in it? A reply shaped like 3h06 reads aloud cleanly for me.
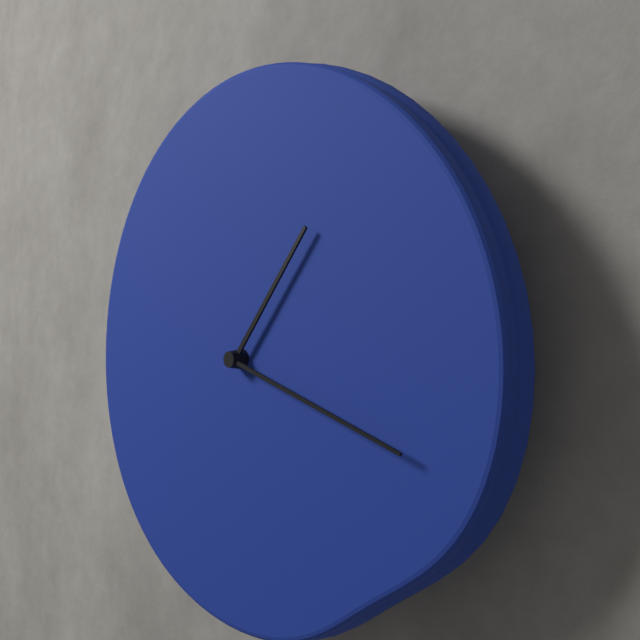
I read 1h18
